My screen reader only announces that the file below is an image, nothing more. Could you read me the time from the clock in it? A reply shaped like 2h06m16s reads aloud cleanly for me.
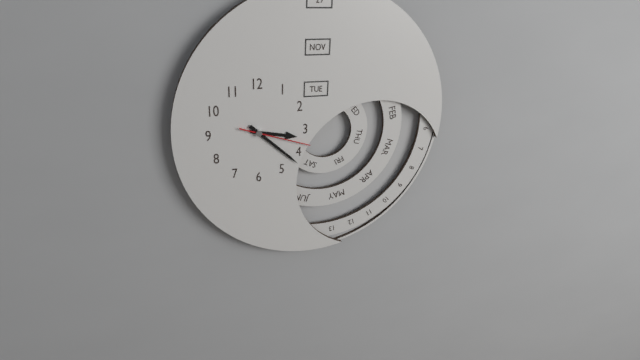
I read 3h22m18s
